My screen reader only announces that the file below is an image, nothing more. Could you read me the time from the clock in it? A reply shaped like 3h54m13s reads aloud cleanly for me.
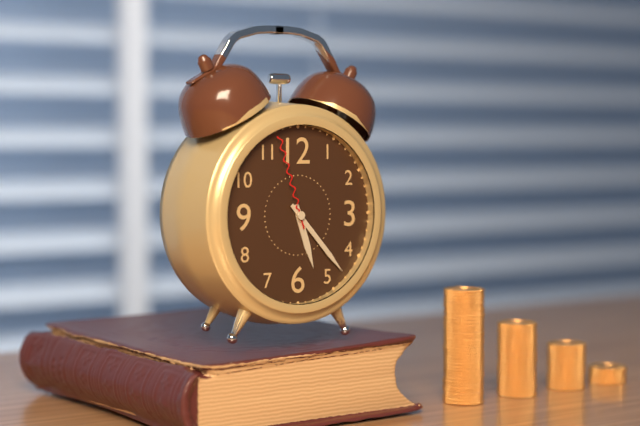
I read 5h23m57s
